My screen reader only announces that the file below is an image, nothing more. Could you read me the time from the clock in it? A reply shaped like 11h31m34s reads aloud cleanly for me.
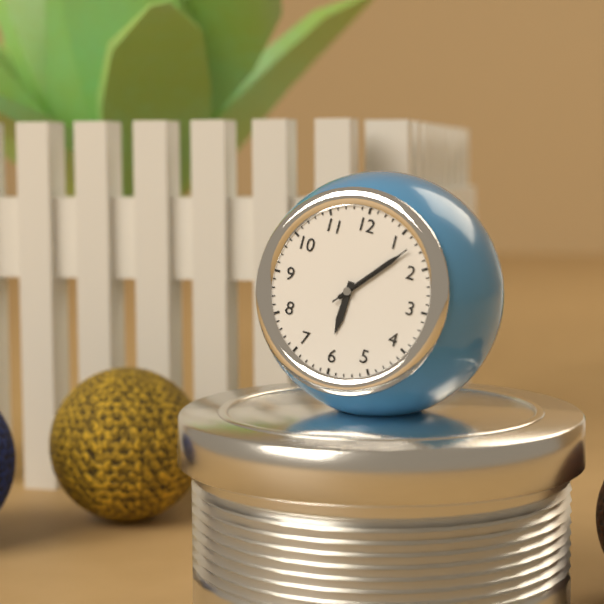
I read 6h07m07s
